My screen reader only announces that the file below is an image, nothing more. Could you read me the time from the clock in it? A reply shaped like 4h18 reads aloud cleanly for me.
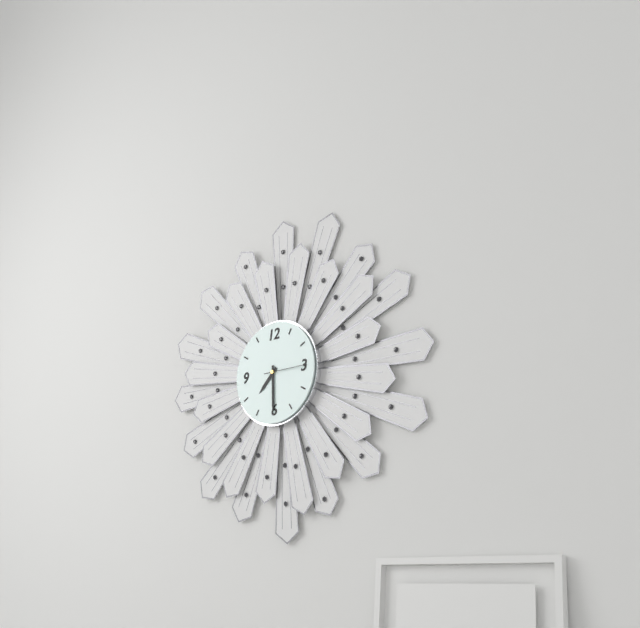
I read 7h30
